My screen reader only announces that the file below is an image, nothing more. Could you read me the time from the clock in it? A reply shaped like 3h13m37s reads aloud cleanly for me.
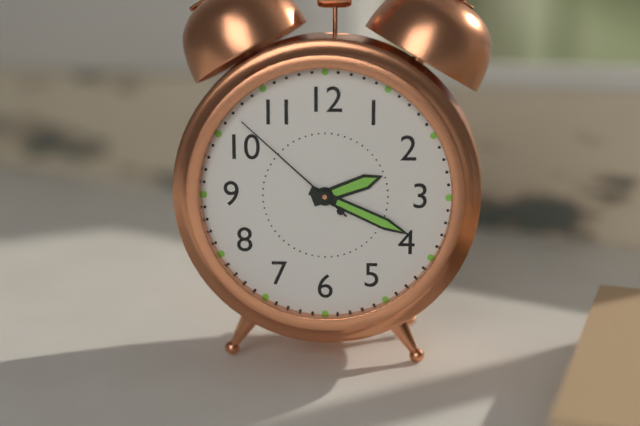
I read 2h19m52s
